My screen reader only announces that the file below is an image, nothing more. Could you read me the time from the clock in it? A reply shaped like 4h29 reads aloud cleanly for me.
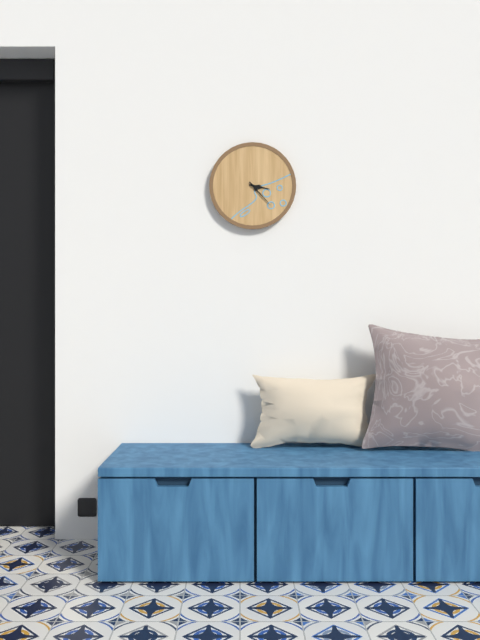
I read 3h23
